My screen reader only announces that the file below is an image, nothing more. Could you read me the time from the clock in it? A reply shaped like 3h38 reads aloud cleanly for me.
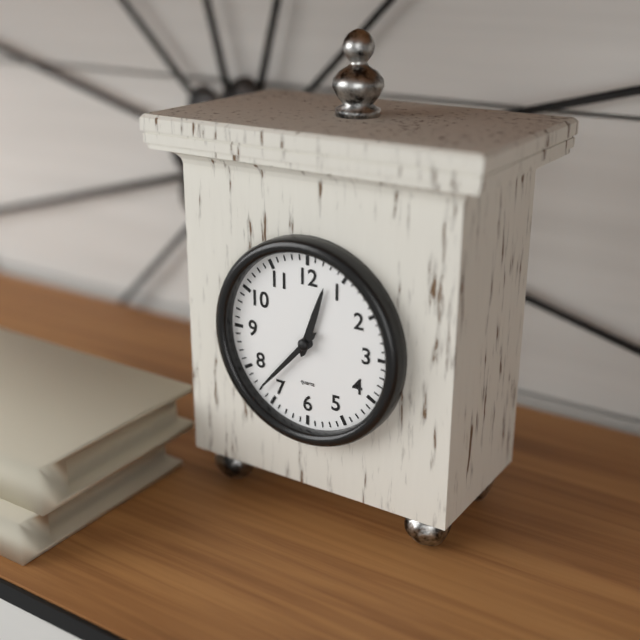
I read 12h37
